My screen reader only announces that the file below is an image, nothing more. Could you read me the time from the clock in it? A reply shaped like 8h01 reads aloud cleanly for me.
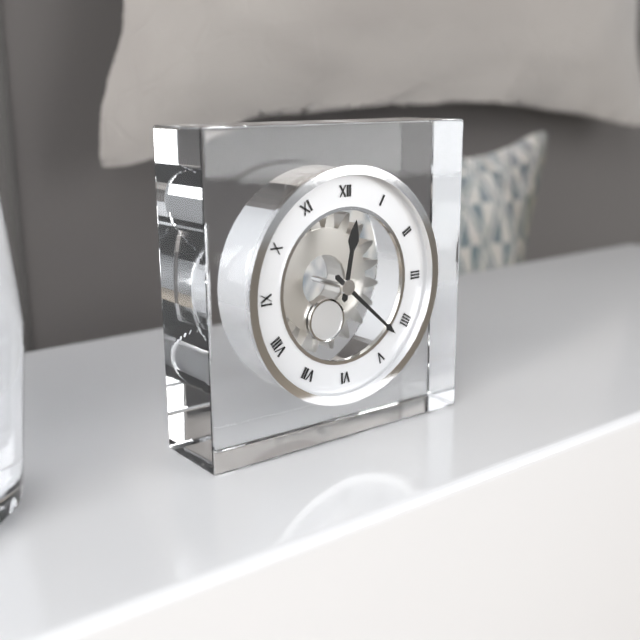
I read 12h22
